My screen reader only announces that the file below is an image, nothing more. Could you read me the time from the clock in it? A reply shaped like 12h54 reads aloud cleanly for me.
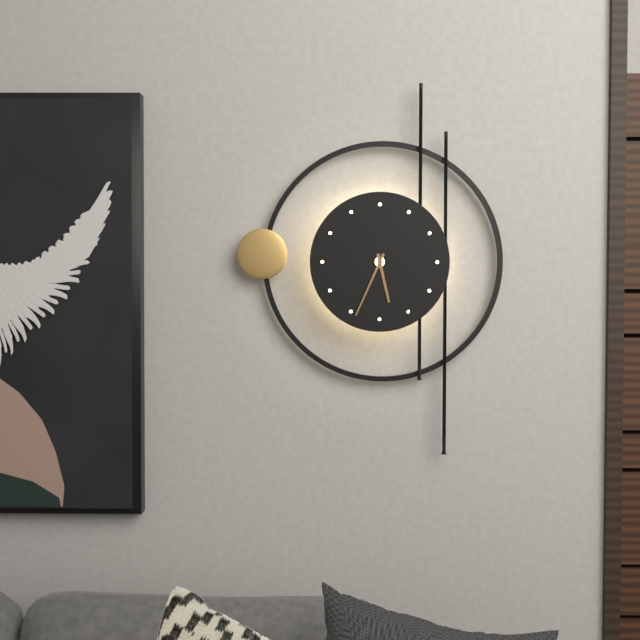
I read 5h34
